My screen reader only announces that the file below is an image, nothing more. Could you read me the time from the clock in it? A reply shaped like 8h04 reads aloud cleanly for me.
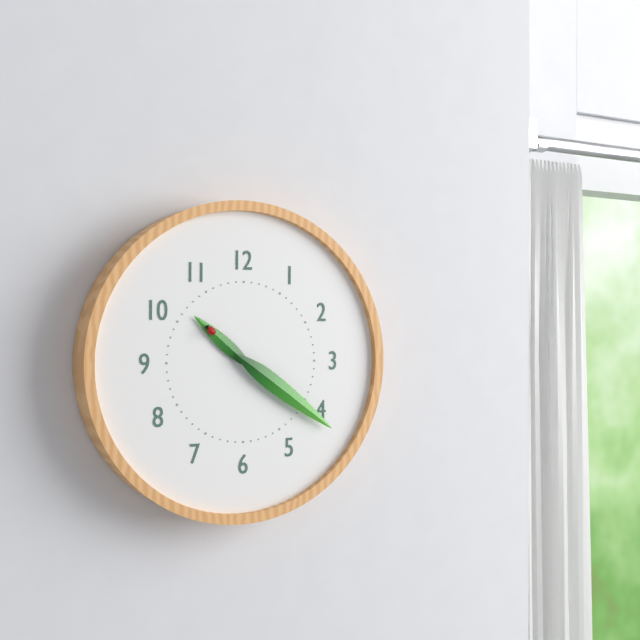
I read 10h21
